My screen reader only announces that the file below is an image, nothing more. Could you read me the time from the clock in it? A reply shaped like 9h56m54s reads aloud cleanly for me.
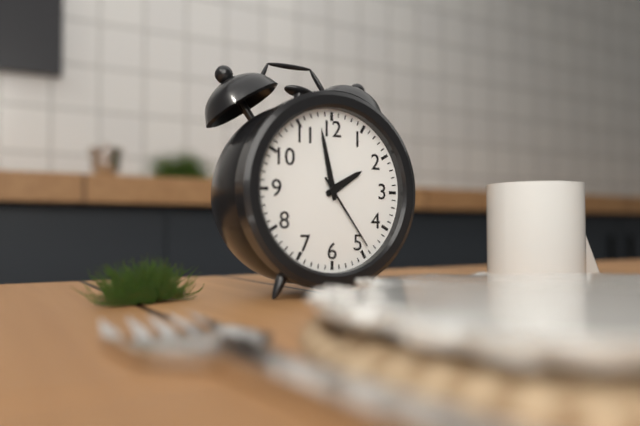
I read 1h58m24s
